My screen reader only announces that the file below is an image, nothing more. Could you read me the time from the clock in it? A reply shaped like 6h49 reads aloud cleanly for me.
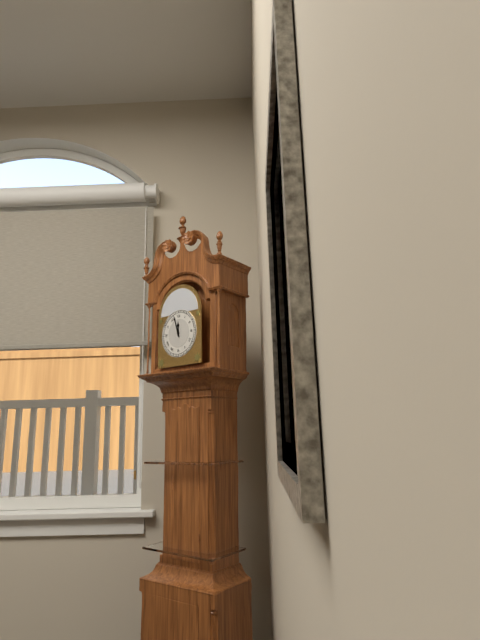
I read 11h57
